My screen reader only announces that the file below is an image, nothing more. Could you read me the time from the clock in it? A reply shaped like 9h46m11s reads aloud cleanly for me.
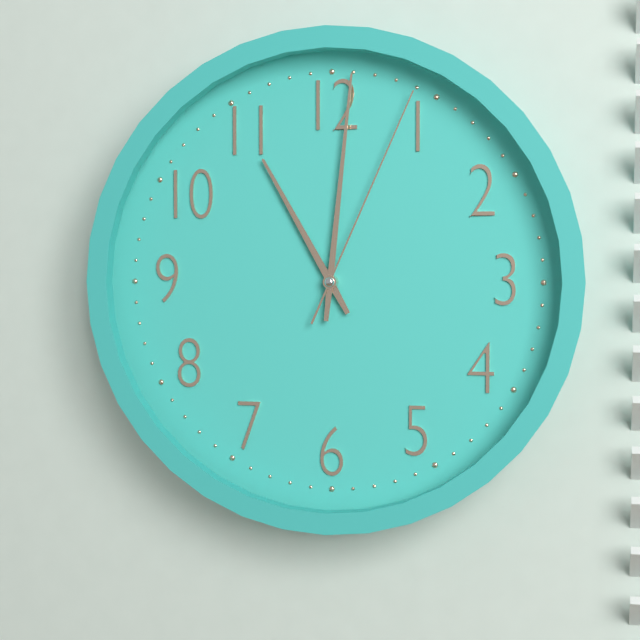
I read 11h01m04s
